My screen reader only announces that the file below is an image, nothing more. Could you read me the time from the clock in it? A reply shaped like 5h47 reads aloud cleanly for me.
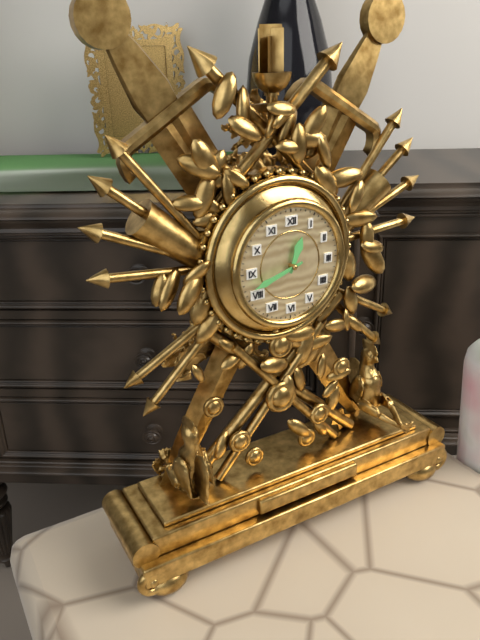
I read 12h42
